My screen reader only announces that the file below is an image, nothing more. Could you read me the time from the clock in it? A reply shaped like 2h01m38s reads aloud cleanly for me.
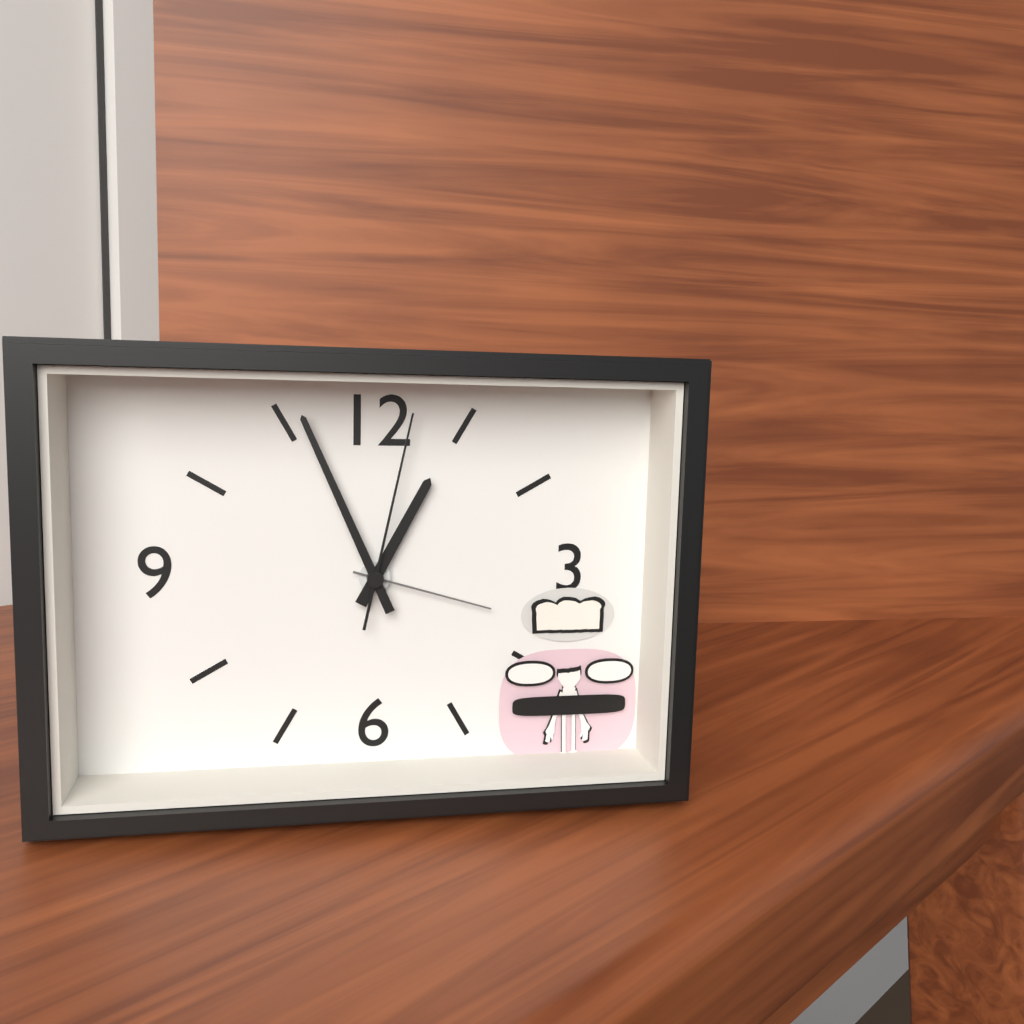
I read 12h56m02s
